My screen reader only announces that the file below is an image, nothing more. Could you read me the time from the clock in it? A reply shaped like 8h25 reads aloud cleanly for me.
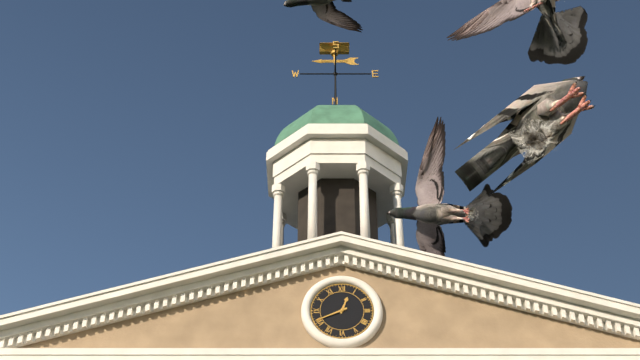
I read 12h41
